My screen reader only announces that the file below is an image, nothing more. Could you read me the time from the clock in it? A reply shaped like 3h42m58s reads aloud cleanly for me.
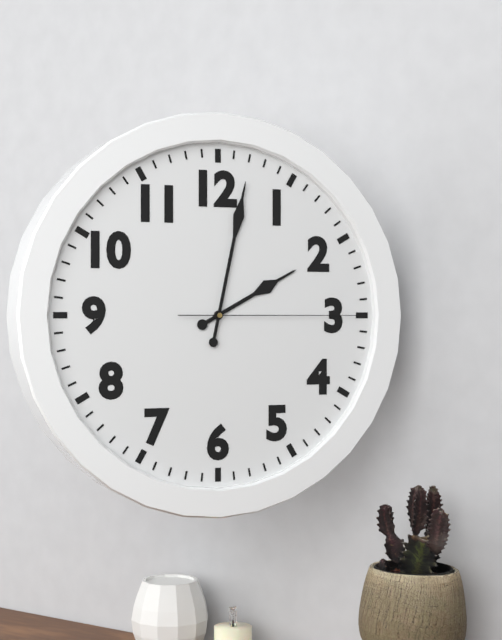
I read 2h02m15s
